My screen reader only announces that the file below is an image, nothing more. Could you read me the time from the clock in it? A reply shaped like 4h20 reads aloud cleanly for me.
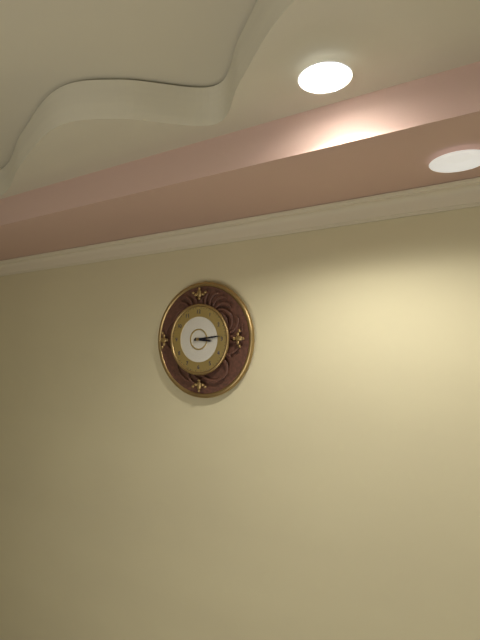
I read 3h14
